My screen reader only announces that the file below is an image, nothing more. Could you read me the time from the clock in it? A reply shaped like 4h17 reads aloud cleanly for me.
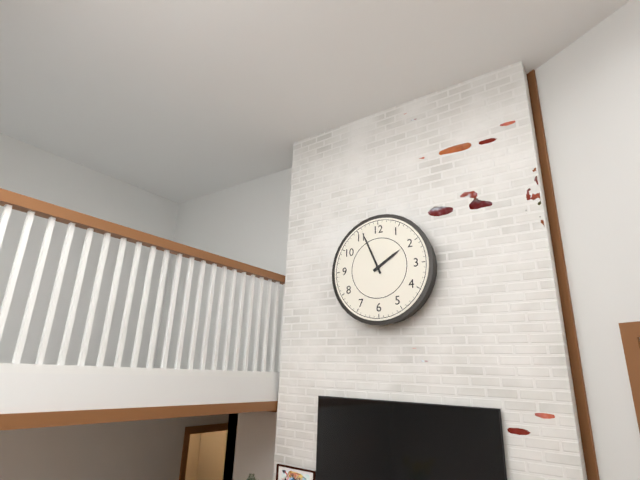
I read 1h56
